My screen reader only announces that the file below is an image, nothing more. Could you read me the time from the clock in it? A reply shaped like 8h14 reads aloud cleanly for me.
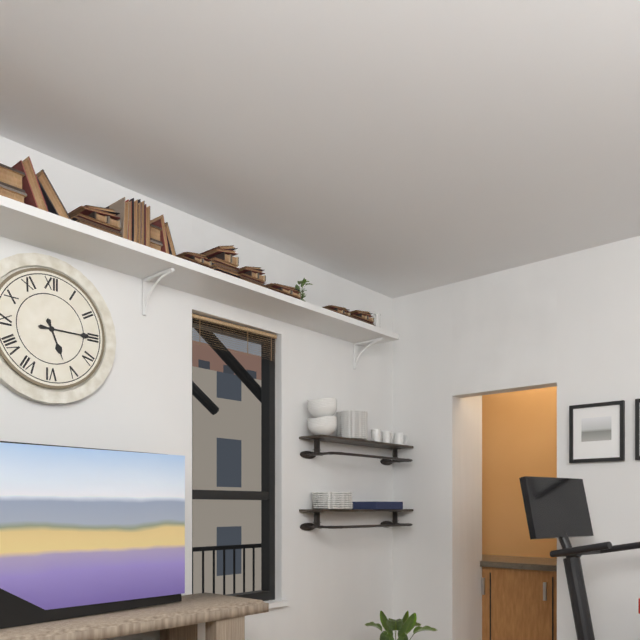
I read 5h15
